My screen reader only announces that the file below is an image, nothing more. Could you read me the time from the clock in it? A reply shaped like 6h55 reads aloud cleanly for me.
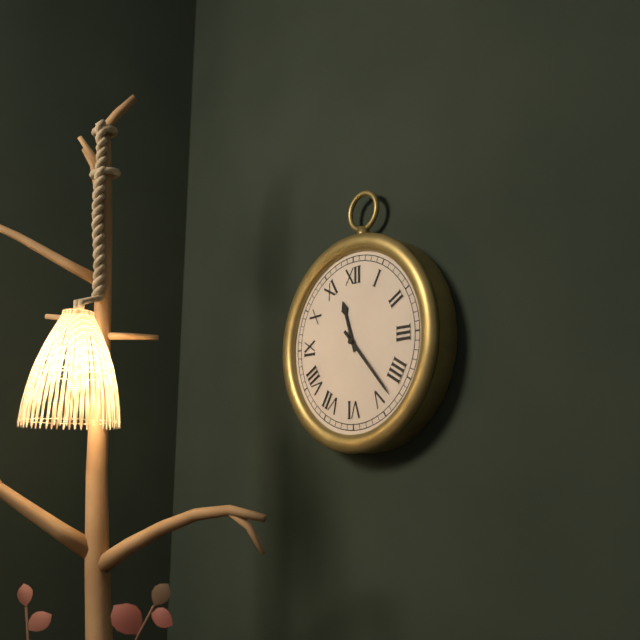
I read 11h23
